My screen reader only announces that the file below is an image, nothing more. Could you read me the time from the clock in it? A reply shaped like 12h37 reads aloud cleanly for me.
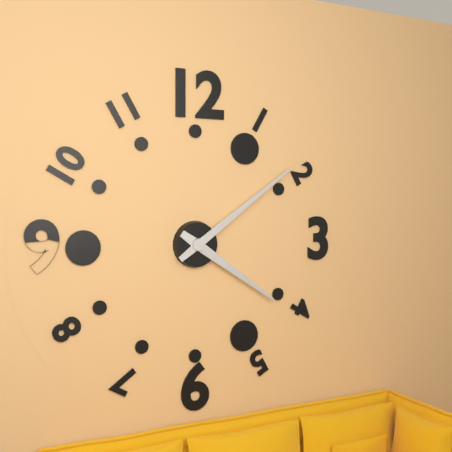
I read 4h09
